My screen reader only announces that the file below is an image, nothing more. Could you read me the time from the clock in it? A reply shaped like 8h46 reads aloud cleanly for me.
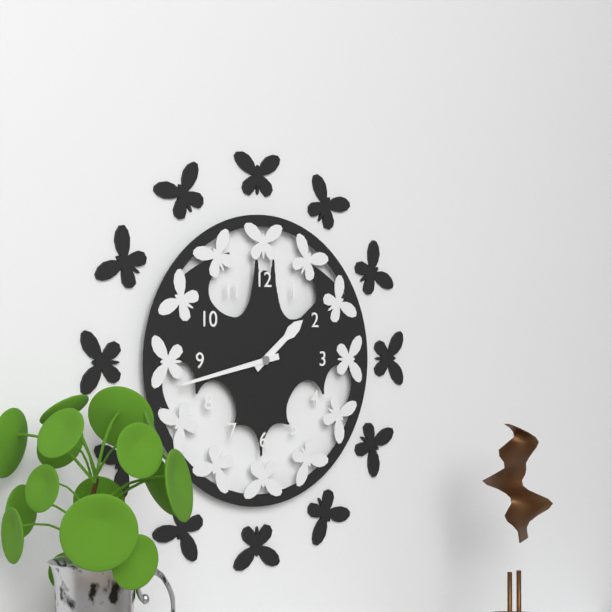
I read 1h43
